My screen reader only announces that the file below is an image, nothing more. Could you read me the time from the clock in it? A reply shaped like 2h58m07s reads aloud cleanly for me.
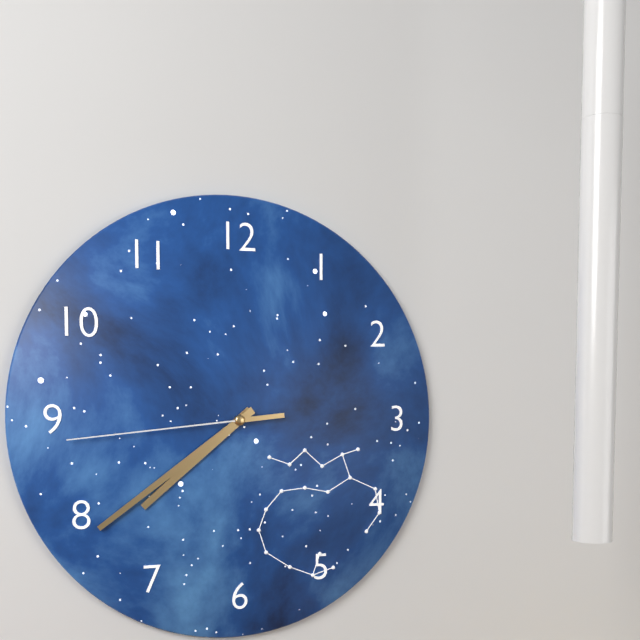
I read 7h39m44s
